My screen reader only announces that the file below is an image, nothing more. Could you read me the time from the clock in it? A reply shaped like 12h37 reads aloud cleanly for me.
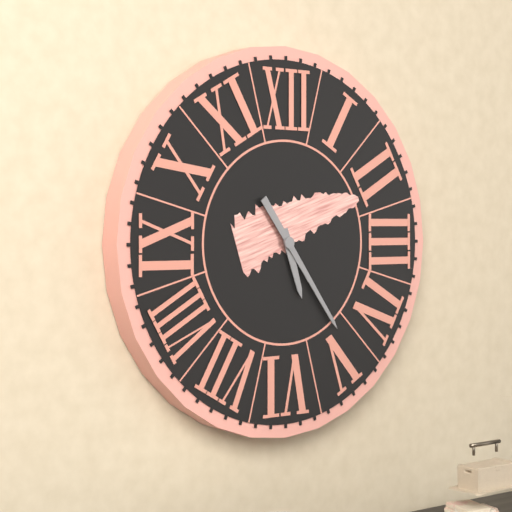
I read 5h24
